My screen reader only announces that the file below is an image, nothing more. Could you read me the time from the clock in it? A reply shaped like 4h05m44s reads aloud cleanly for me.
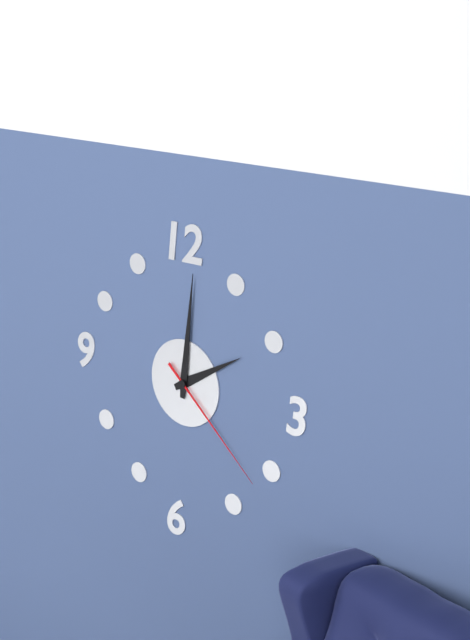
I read 2h01m22s
